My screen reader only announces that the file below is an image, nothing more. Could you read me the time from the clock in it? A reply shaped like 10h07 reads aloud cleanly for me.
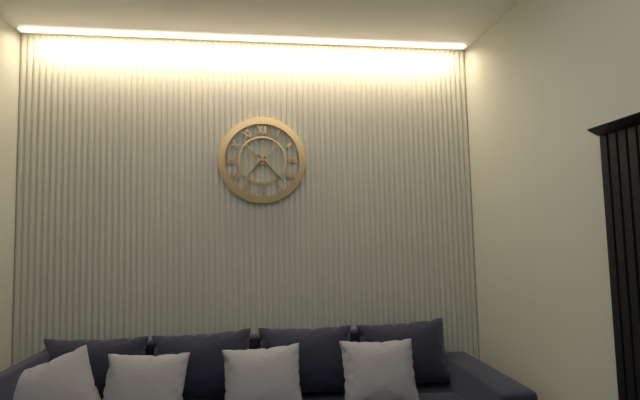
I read 7h23
